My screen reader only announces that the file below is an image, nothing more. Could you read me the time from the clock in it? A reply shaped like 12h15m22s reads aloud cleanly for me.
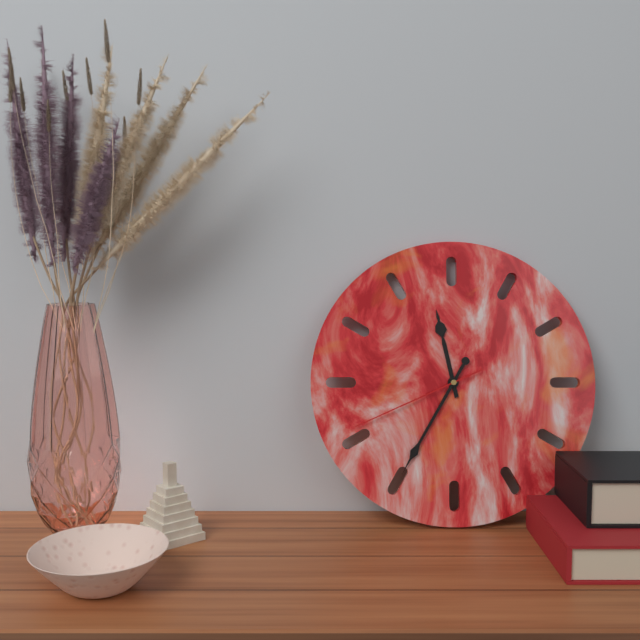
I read 11h35m41s
